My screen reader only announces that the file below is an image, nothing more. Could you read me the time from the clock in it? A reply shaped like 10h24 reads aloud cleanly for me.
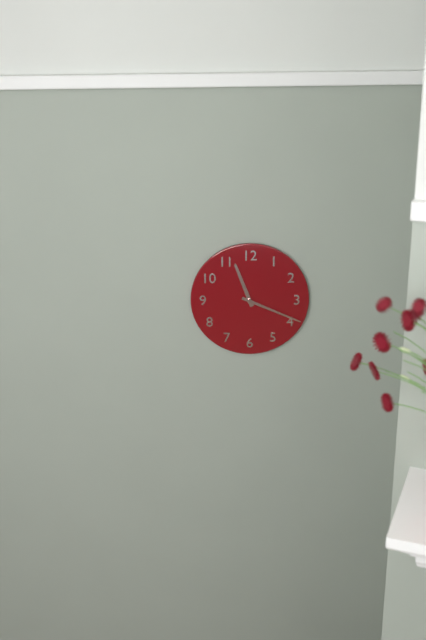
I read 11h19
